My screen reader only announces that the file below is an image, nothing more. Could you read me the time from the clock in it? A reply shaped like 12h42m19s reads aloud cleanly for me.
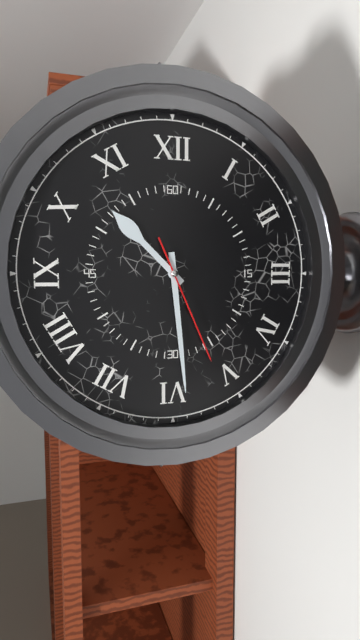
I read 10h29m26s
